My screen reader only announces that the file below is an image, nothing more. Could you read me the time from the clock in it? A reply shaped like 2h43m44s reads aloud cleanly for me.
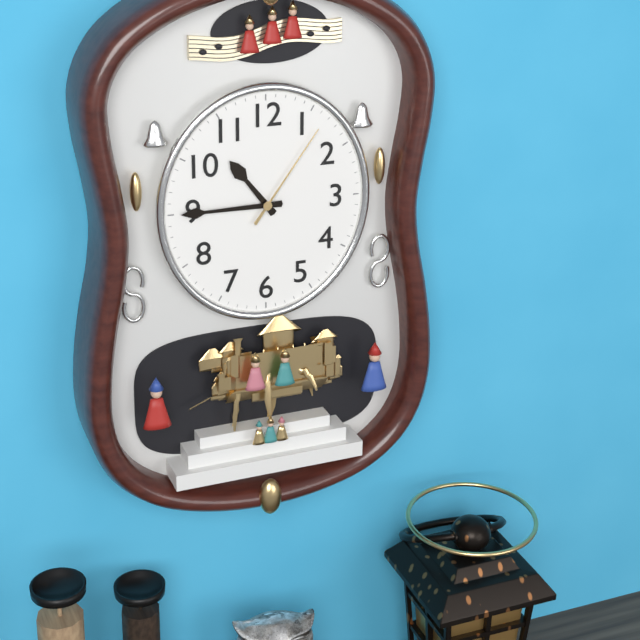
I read 10h45m06s
